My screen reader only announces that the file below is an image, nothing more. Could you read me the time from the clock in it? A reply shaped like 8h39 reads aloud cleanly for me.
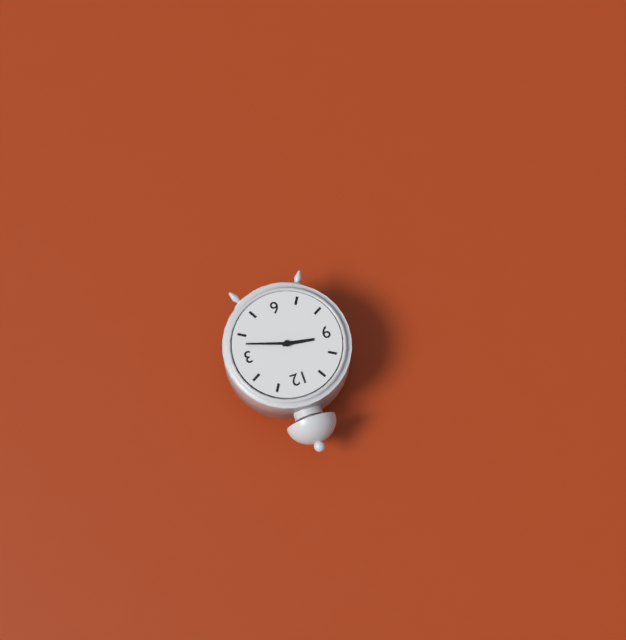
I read 9h18
